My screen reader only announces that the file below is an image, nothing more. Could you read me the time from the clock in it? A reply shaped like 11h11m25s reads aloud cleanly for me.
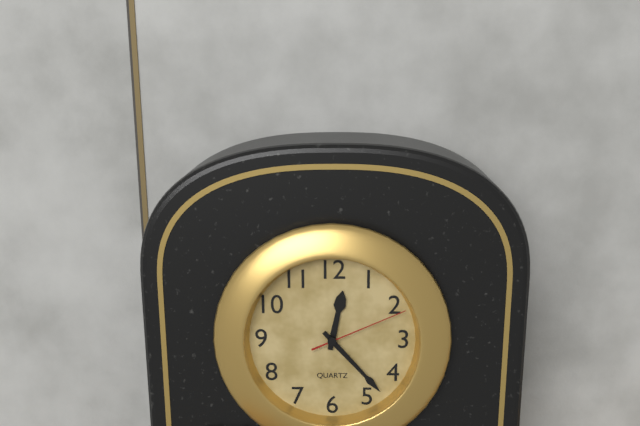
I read 12h23m11s
